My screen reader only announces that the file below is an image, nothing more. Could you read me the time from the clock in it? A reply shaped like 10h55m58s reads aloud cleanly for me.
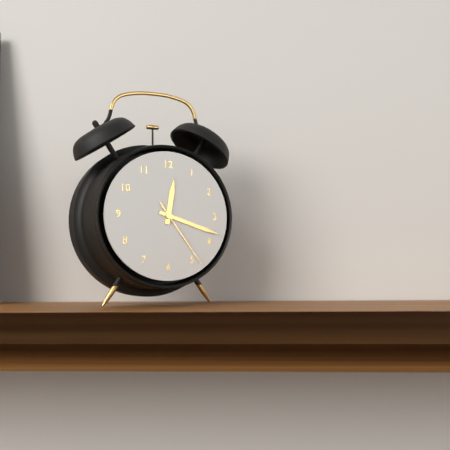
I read 12h18m24s
